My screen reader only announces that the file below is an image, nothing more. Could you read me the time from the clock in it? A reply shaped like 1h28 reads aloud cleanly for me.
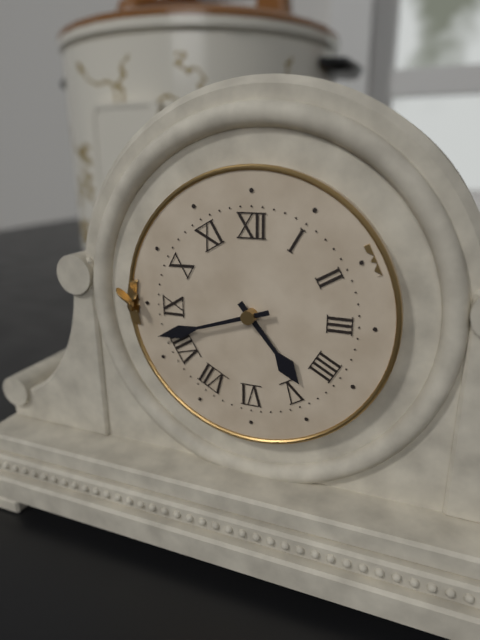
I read 4h42
